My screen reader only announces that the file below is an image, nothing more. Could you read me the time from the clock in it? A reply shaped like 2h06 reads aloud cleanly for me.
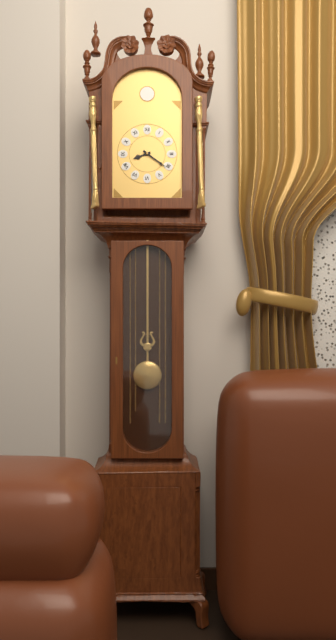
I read 8h21
